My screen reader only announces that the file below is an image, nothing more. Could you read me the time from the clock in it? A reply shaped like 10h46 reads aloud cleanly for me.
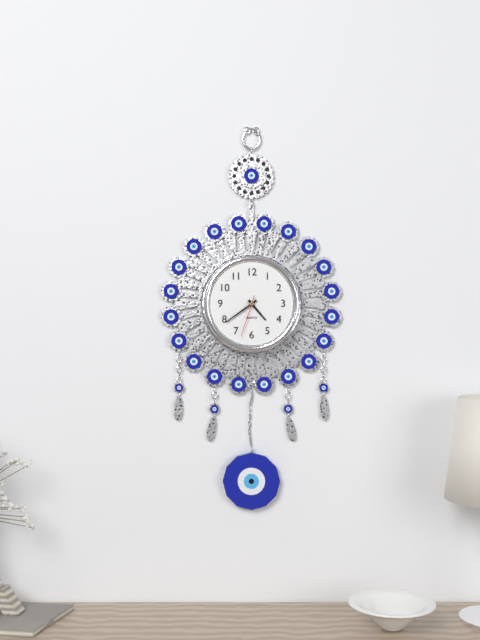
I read 4h39
